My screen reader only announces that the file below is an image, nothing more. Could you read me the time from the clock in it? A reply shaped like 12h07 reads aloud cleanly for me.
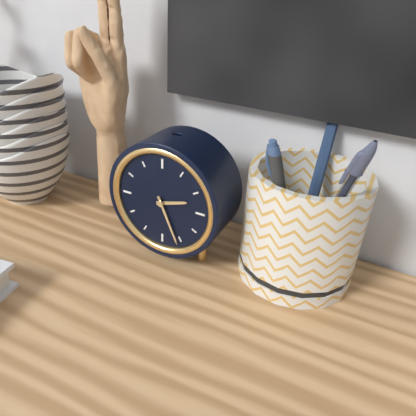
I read 2h26
